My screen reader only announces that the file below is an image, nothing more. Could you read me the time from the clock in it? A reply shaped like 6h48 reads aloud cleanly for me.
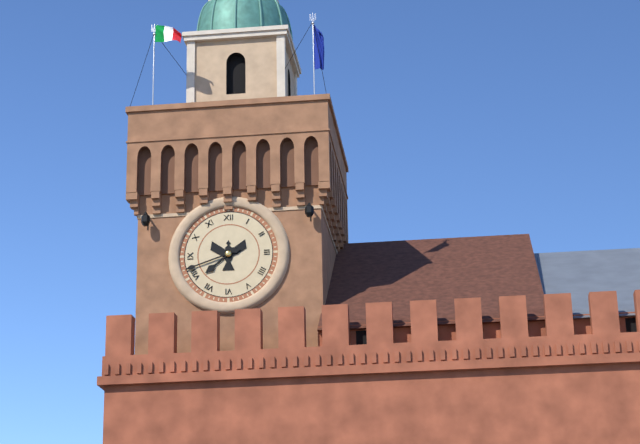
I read 7h42
